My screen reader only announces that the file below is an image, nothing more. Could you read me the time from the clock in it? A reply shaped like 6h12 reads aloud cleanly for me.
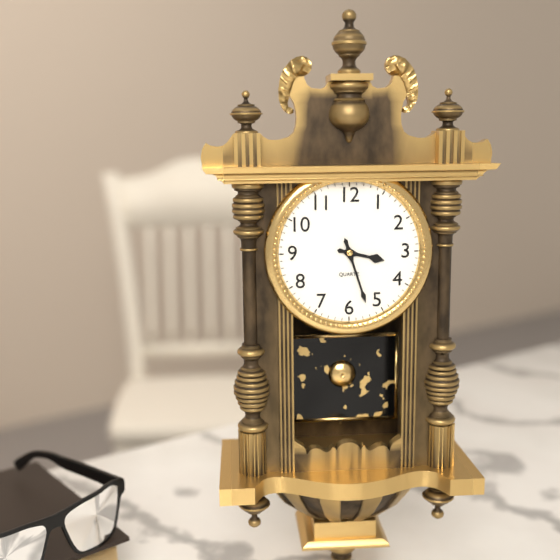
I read 3h27
